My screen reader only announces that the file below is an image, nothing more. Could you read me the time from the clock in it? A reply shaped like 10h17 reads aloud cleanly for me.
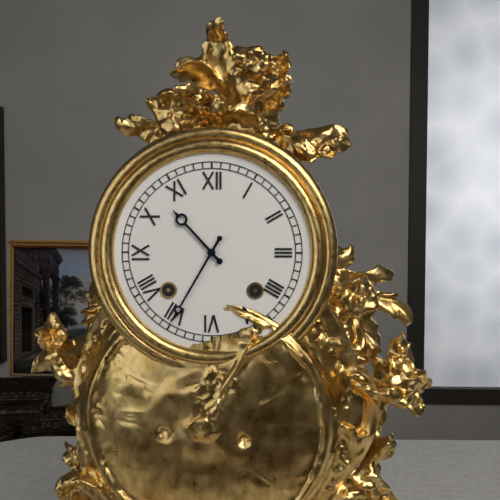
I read 10h35
